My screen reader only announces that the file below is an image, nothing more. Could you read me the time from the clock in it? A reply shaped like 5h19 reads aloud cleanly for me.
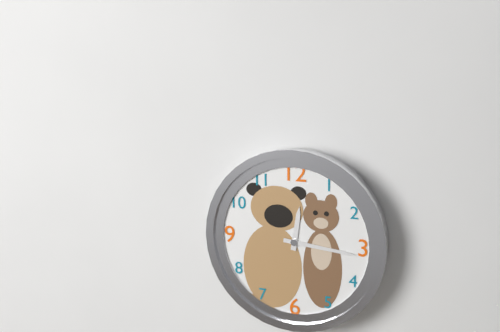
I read 12h16
